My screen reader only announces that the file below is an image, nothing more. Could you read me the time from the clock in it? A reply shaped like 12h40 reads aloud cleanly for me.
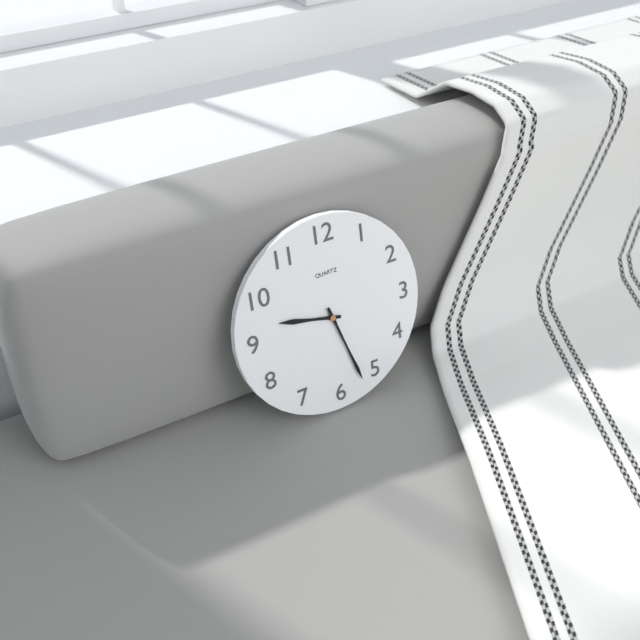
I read 9h27
